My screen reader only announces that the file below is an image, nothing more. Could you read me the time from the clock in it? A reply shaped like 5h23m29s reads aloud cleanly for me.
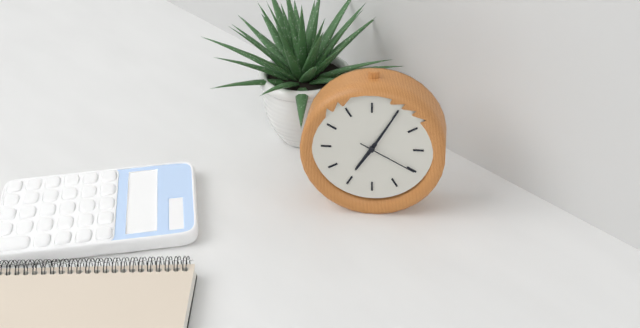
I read 7h05m20s
